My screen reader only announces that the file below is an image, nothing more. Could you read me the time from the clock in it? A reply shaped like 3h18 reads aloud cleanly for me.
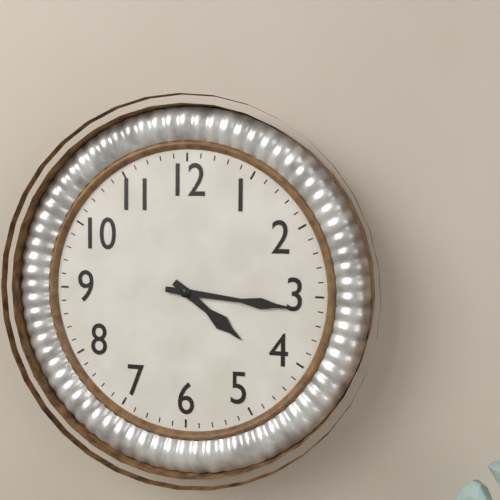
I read 4h16
